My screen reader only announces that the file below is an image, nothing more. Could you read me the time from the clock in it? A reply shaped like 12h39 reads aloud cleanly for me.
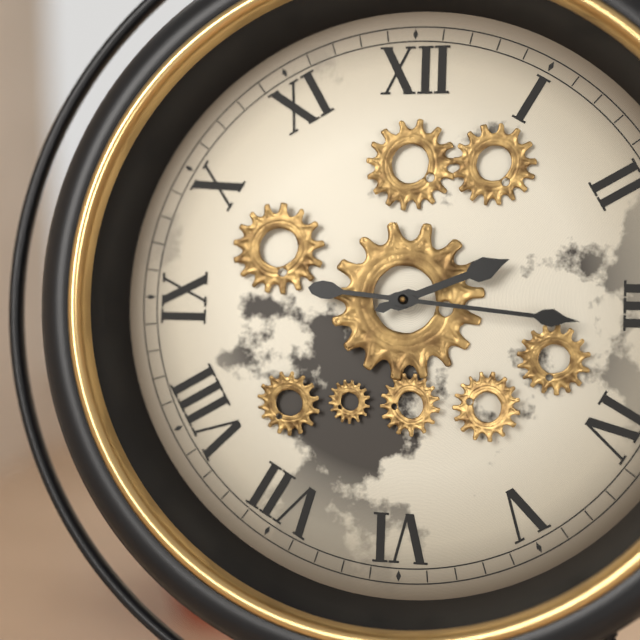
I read 2h16
